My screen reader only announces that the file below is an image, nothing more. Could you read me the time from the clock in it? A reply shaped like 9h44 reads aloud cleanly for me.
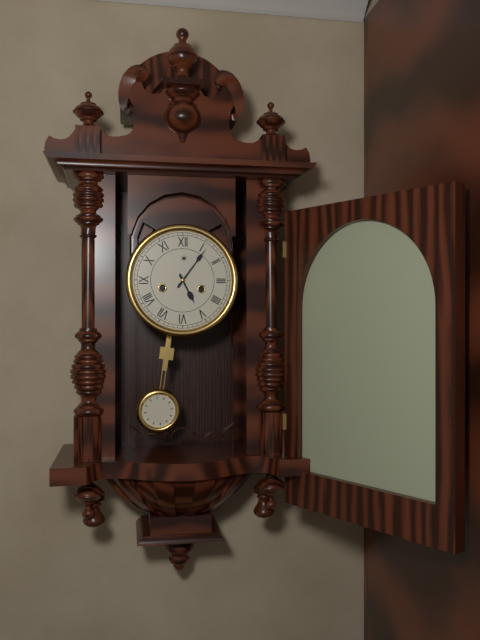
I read 5h06
